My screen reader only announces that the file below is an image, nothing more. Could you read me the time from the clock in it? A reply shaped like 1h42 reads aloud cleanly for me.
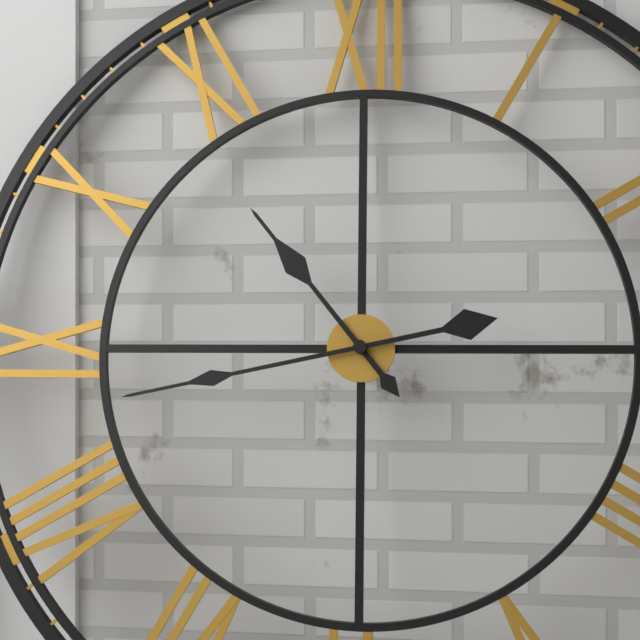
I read 10h43
